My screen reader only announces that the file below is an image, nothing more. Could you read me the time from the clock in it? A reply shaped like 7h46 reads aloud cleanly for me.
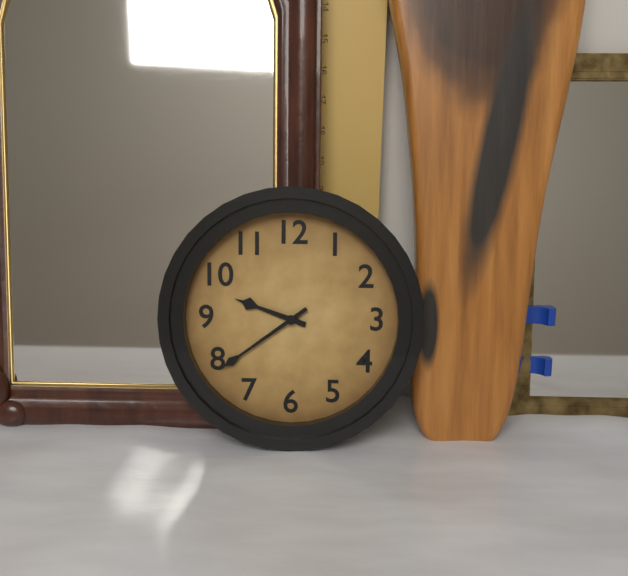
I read 9h39
